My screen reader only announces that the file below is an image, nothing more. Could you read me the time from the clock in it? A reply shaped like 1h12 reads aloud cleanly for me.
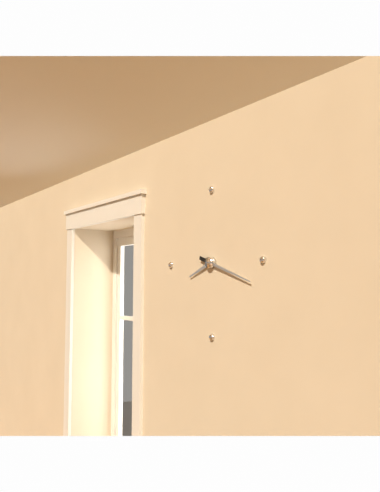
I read 8h18
